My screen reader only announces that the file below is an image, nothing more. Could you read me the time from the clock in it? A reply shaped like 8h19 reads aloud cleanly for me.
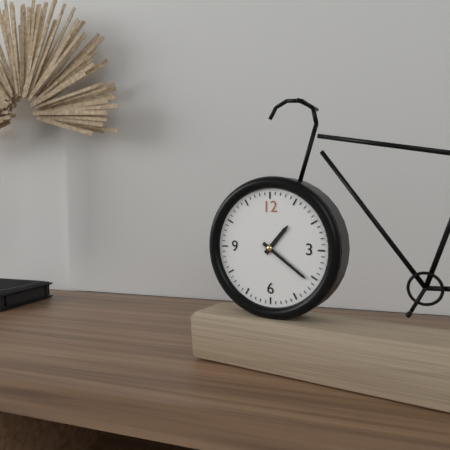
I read 1h21
